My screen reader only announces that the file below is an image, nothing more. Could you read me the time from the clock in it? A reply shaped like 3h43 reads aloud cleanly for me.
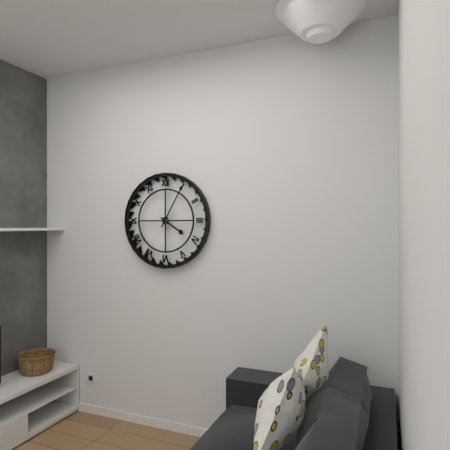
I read 4h05
